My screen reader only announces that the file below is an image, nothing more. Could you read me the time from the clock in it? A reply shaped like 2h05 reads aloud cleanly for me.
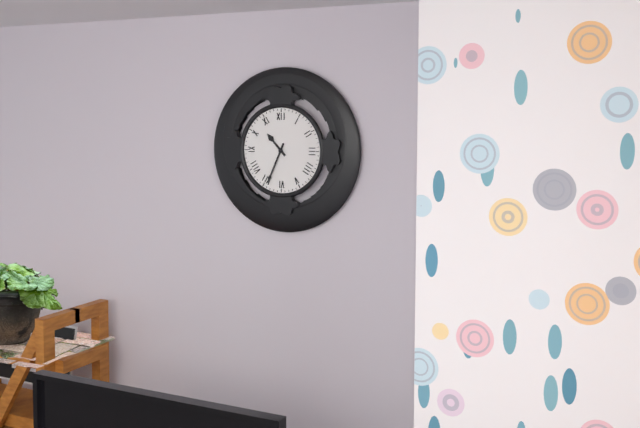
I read 10h34
